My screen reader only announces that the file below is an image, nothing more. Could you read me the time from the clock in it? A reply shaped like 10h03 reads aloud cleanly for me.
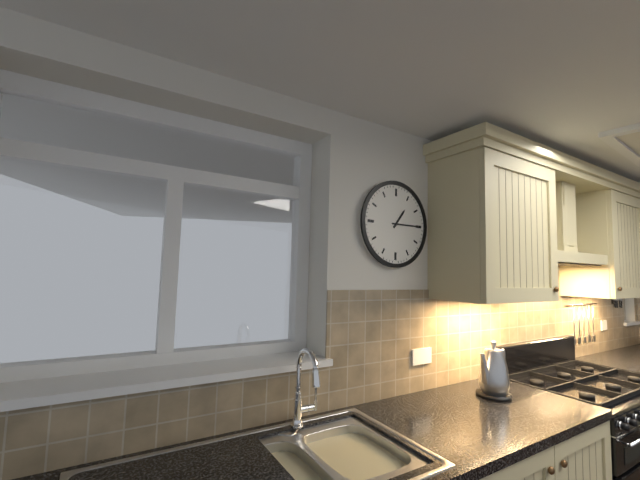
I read 1h15
